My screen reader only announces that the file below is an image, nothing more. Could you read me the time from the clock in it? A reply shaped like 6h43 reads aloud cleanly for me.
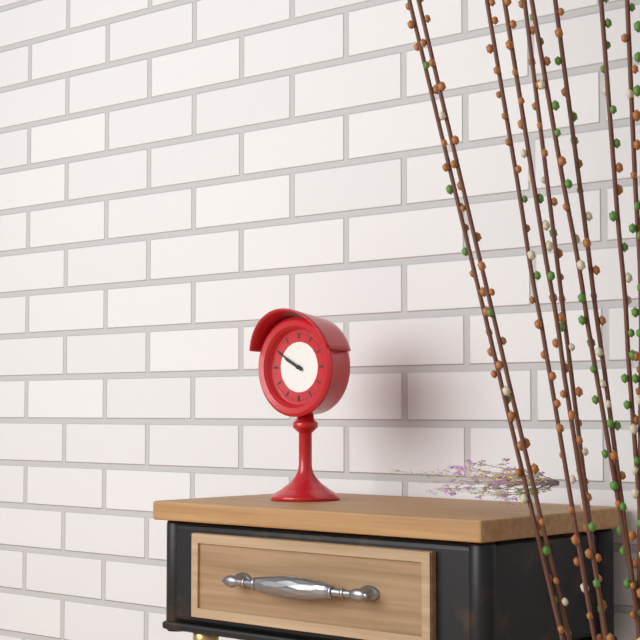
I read 9h50
